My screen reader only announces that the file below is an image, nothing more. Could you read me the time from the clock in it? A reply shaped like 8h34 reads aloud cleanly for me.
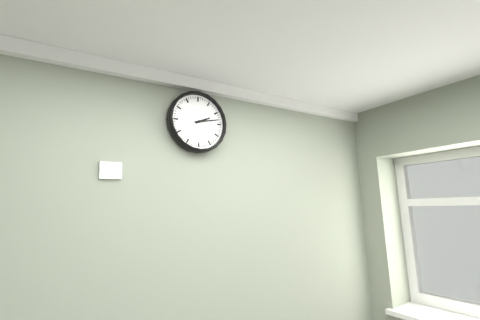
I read 2h13
